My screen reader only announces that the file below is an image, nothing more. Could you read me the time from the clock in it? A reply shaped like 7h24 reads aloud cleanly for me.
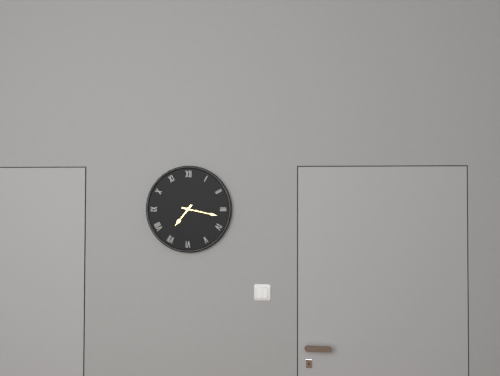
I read 7h17
